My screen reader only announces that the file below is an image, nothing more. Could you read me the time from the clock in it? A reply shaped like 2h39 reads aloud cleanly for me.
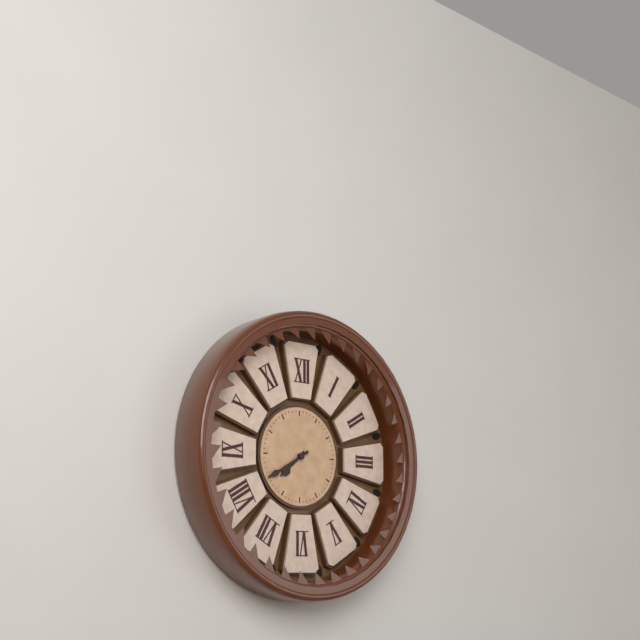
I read 7h40
